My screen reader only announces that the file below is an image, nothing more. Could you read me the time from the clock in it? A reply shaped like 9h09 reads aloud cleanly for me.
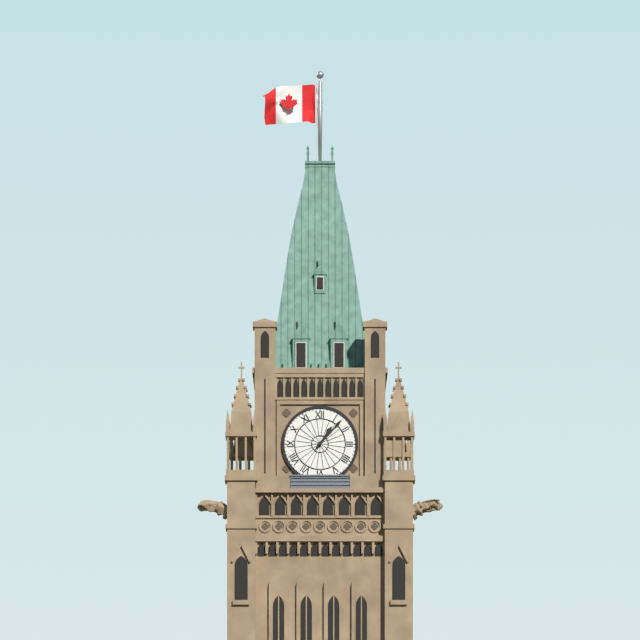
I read 1h07
